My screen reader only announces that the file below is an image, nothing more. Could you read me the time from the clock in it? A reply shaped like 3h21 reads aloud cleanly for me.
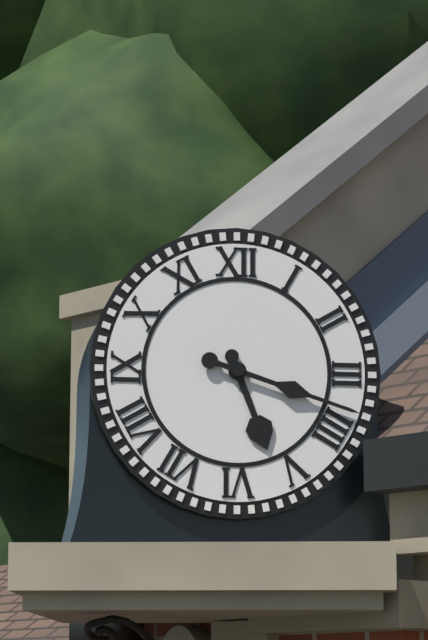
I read 5h18
